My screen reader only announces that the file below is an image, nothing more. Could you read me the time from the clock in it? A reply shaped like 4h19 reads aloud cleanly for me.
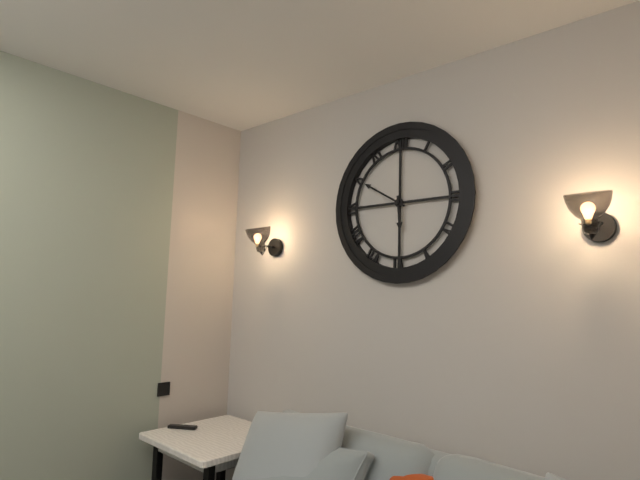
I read 5h50
